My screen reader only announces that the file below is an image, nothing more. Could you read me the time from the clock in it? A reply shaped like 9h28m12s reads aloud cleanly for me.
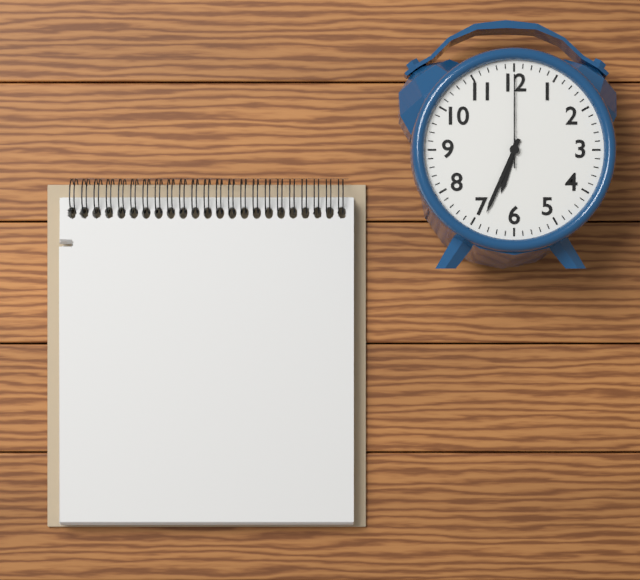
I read 6h34m00s
